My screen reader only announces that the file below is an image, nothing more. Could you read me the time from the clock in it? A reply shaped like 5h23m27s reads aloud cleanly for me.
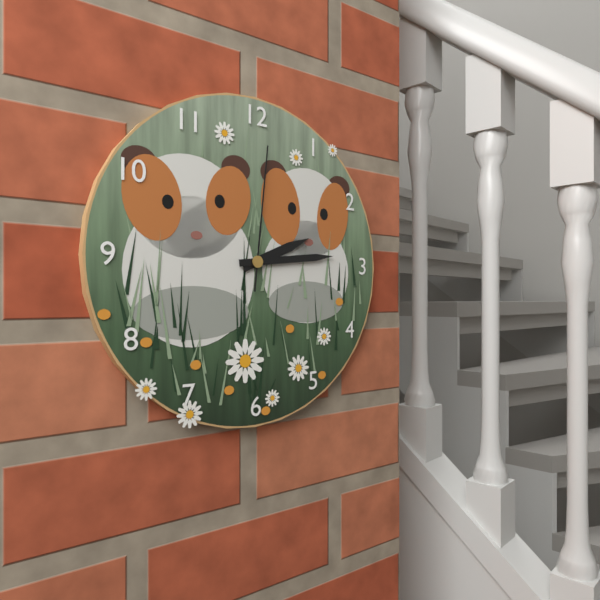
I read 2h14m01s
